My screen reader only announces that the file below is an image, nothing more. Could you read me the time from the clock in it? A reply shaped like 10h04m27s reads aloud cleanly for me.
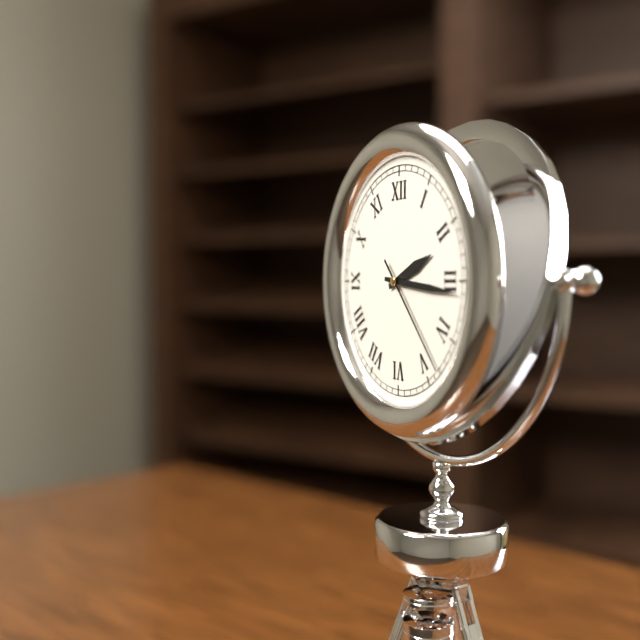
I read 2h16m23s
